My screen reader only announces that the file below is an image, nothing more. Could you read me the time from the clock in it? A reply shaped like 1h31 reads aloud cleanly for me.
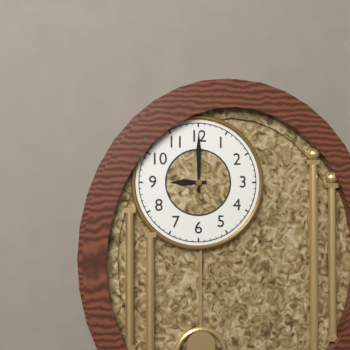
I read 9h00
